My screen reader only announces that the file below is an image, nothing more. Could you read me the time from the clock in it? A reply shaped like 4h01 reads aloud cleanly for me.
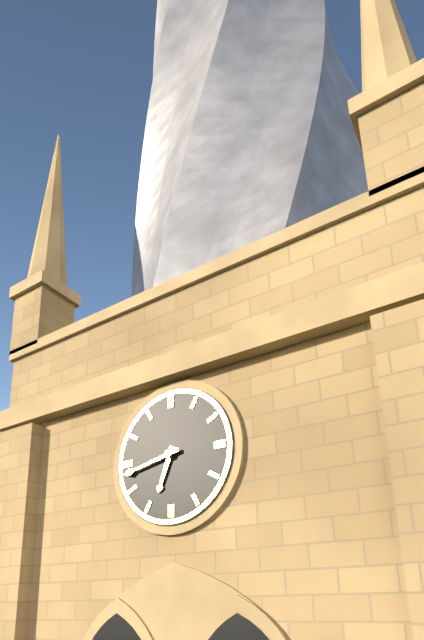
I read 6h43
